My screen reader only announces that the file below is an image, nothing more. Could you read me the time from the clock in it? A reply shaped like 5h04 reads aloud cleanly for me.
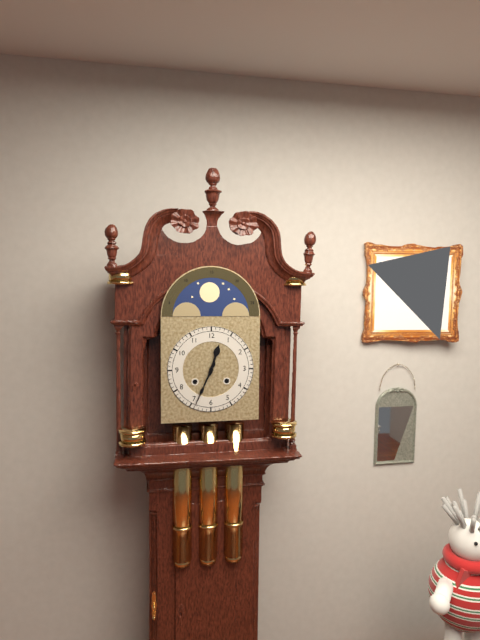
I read 12h34
